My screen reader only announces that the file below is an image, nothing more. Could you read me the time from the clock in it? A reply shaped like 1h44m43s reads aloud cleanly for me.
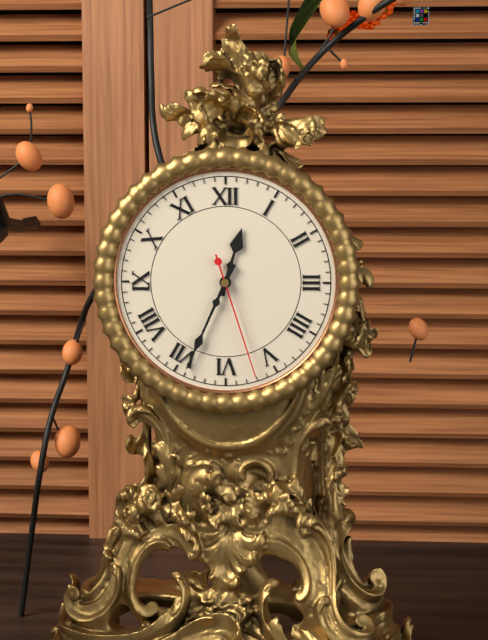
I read 12h34m27s
